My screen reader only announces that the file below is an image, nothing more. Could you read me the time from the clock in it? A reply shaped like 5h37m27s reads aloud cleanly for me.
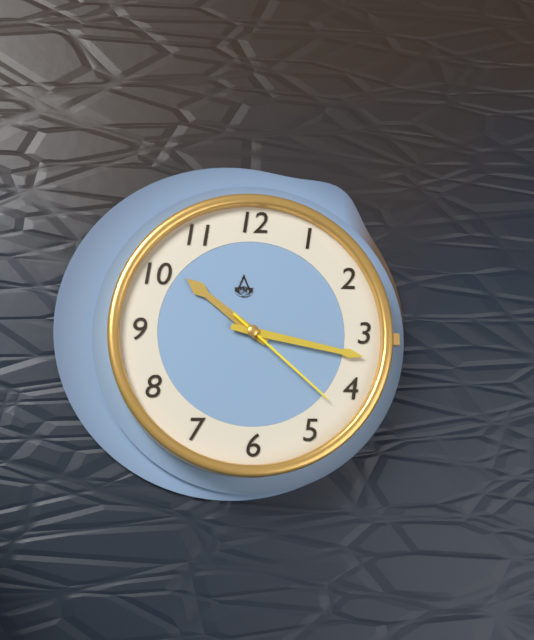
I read 10h17m22s
